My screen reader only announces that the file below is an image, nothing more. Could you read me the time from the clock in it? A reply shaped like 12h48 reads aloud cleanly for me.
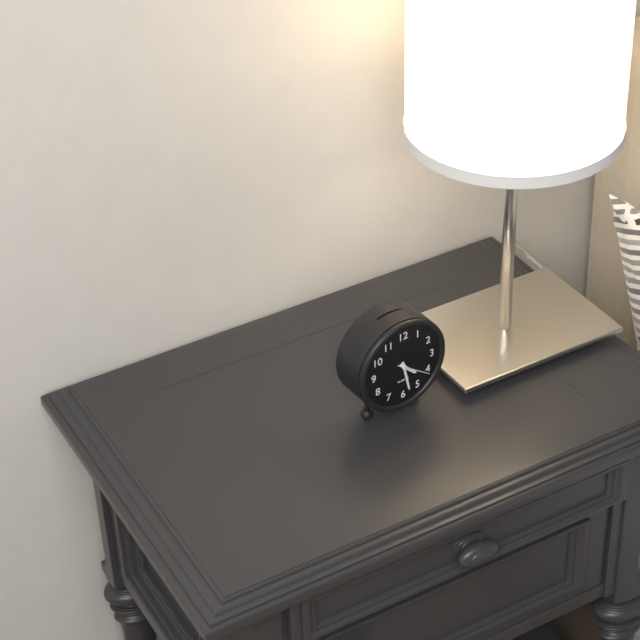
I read 4h28
